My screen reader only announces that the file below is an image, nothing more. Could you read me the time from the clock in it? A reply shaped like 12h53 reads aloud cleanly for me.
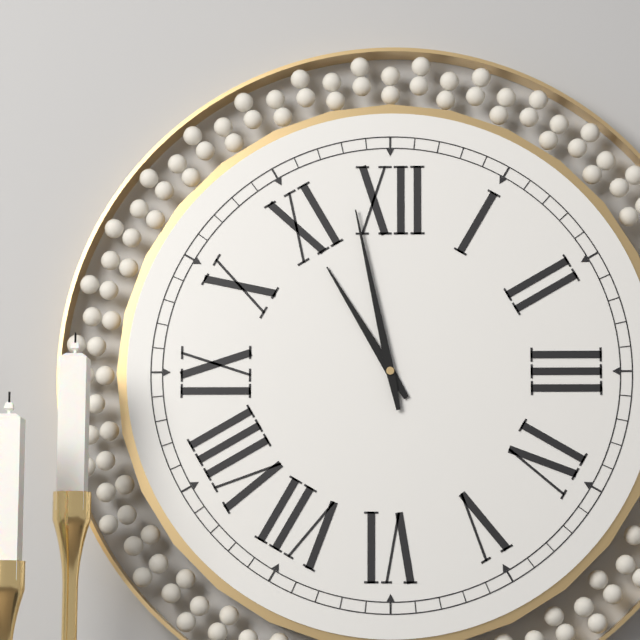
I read 10h58
